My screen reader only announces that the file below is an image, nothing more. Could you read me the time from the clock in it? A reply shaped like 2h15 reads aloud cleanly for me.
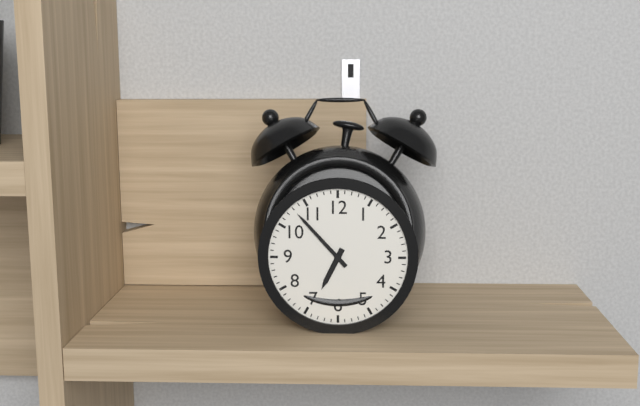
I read 6h53
